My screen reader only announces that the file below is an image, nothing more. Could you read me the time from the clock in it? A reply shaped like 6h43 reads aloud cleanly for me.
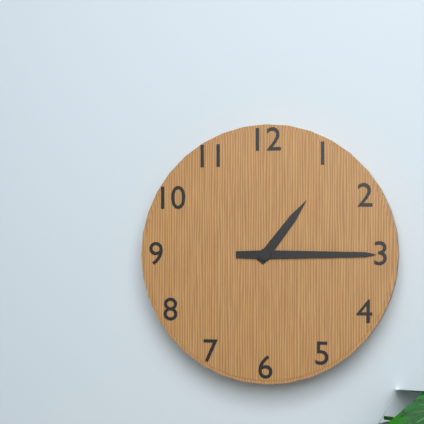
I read 1h15
